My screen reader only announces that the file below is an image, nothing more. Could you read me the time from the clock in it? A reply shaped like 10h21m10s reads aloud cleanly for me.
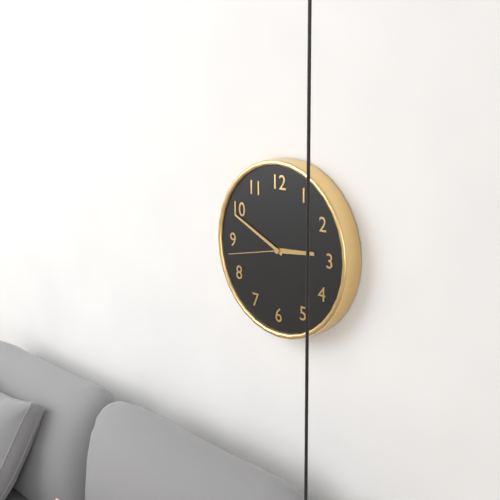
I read 2h49m43s
